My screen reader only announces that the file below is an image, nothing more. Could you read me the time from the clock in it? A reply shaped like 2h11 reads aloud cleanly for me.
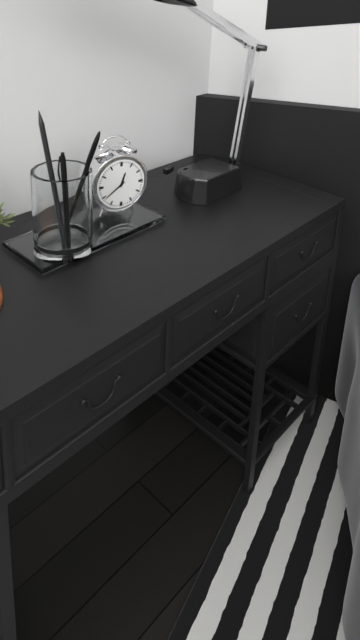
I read 12h39
